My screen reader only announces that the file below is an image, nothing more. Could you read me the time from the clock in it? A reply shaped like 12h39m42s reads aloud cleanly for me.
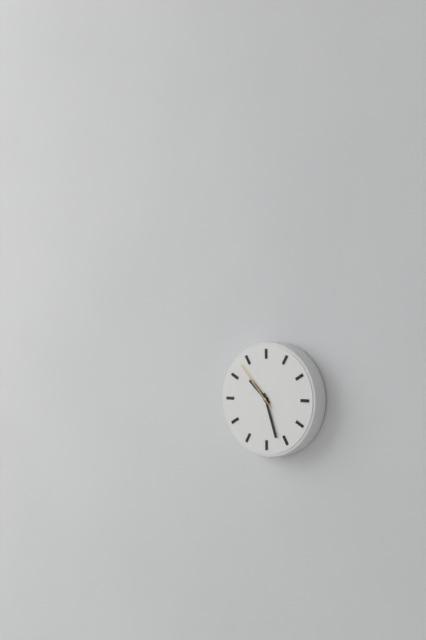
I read 10h27m53s
